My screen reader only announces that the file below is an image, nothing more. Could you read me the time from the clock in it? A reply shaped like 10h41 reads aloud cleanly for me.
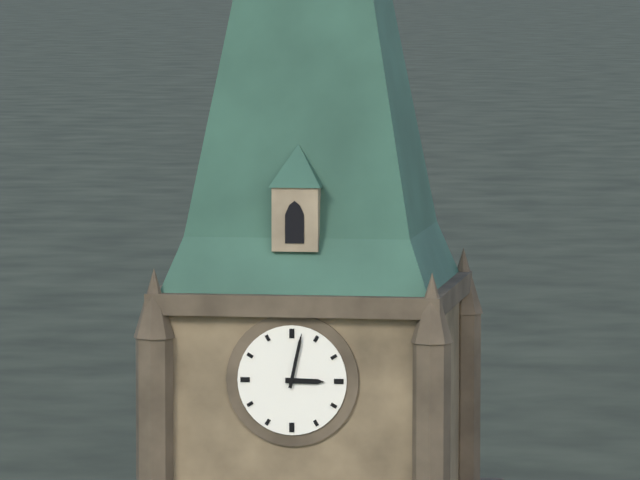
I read 3h02
